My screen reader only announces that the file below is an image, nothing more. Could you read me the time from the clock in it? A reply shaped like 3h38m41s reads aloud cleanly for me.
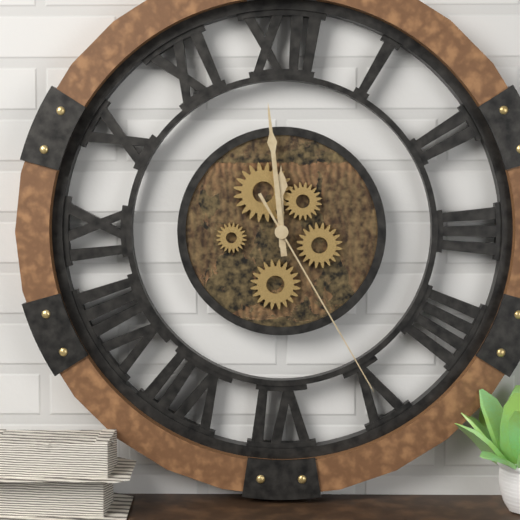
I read 11h59m25s
